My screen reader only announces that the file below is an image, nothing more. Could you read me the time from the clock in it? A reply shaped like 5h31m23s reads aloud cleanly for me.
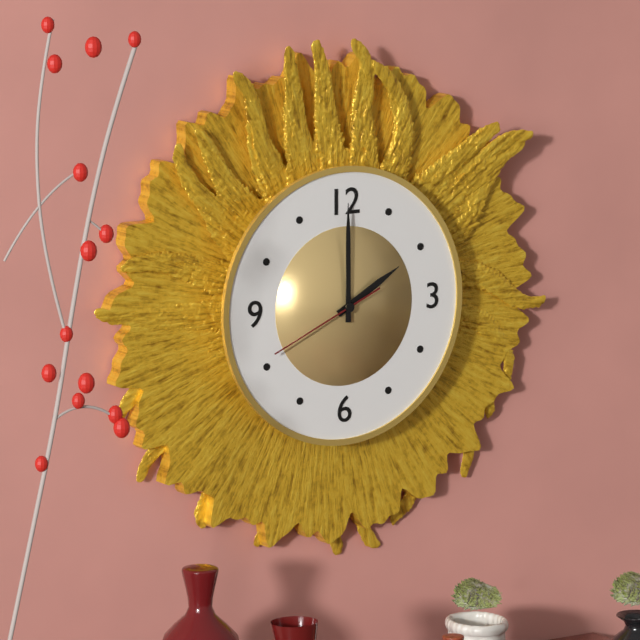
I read 2h00m41s
